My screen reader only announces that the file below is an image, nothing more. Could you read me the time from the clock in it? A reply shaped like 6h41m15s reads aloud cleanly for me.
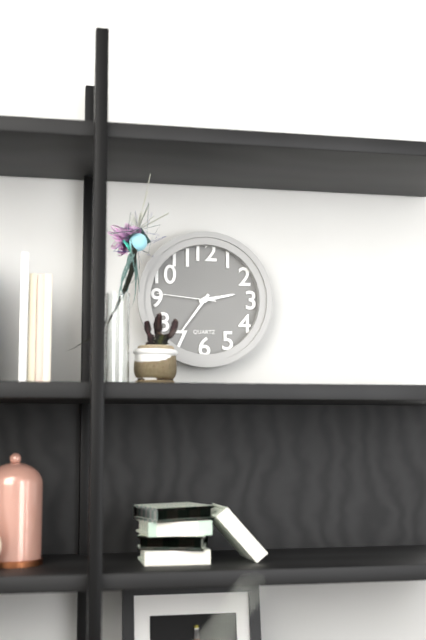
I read 2h36m46s
